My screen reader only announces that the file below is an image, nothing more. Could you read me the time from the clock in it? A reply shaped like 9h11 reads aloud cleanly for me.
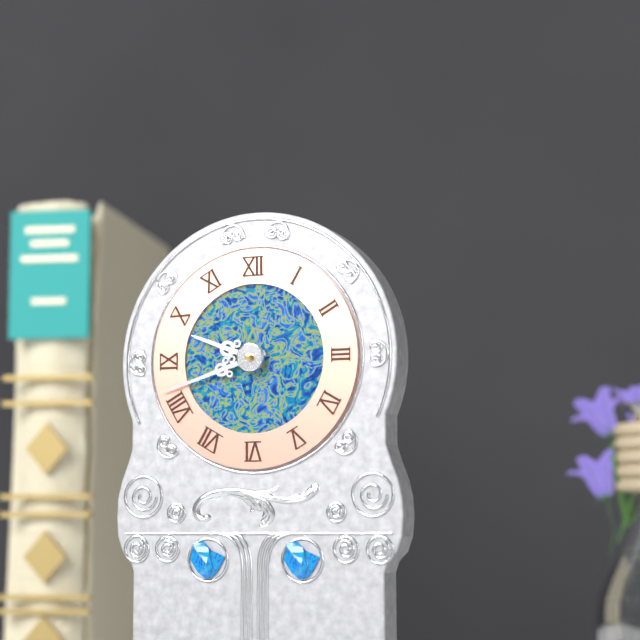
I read 9h42
